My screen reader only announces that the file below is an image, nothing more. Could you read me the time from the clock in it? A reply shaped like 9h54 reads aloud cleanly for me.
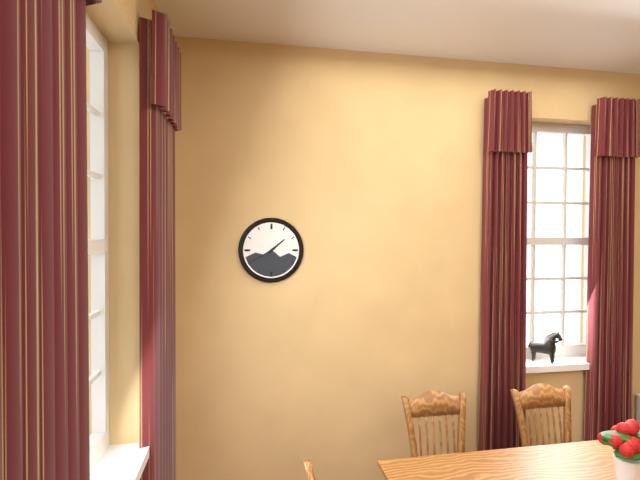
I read 1h40
